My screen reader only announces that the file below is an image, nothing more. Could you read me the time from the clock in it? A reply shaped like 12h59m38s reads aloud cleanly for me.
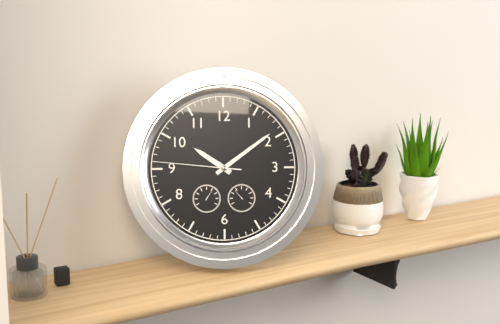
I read 10h09m46s
